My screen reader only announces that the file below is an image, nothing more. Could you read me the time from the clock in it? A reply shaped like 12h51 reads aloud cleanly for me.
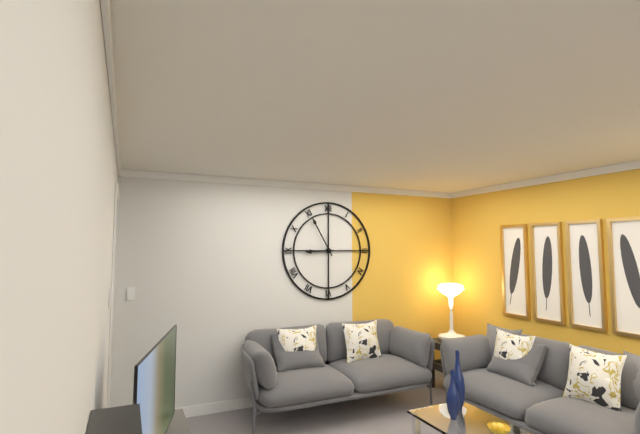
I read 8h55
